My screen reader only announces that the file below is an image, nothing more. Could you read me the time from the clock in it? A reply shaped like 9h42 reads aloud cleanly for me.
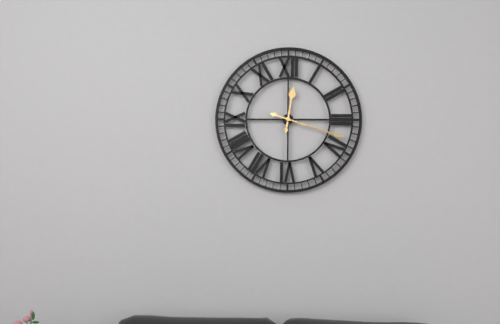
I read 12h18
